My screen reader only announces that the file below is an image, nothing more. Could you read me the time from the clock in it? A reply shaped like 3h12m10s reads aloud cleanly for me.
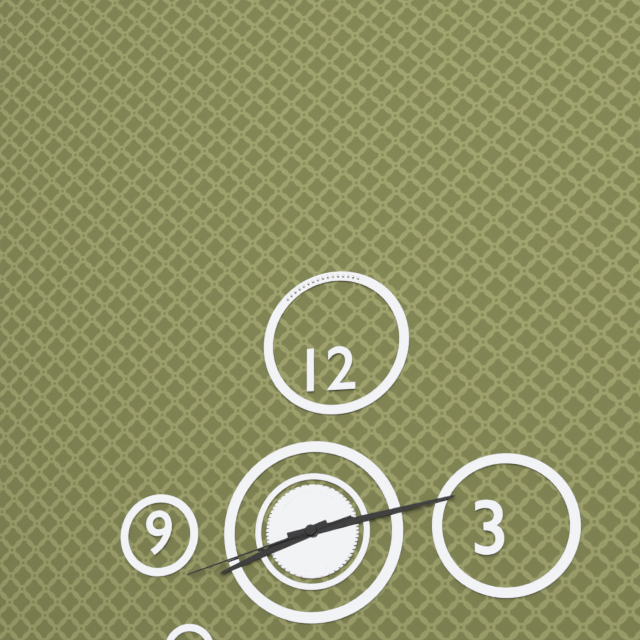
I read 8h13m42s
